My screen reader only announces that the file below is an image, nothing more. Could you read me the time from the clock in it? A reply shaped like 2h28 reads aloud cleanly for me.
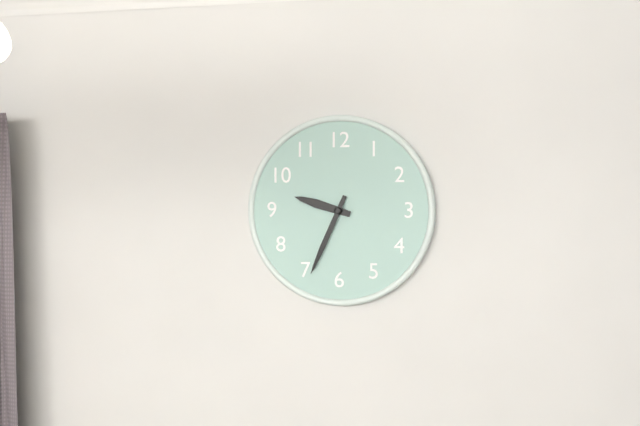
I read 9h34
